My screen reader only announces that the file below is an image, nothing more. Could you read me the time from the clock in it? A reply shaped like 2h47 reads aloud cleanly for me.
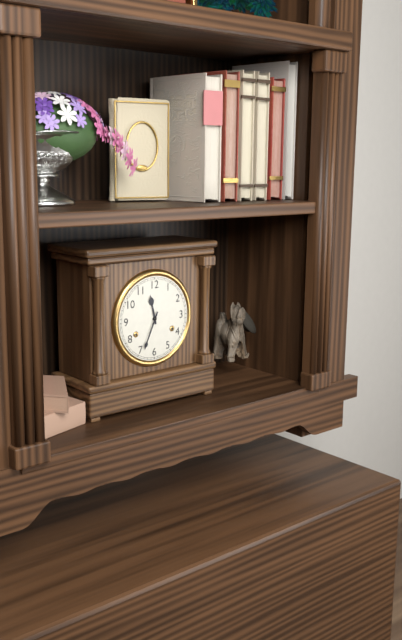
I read 11h34
